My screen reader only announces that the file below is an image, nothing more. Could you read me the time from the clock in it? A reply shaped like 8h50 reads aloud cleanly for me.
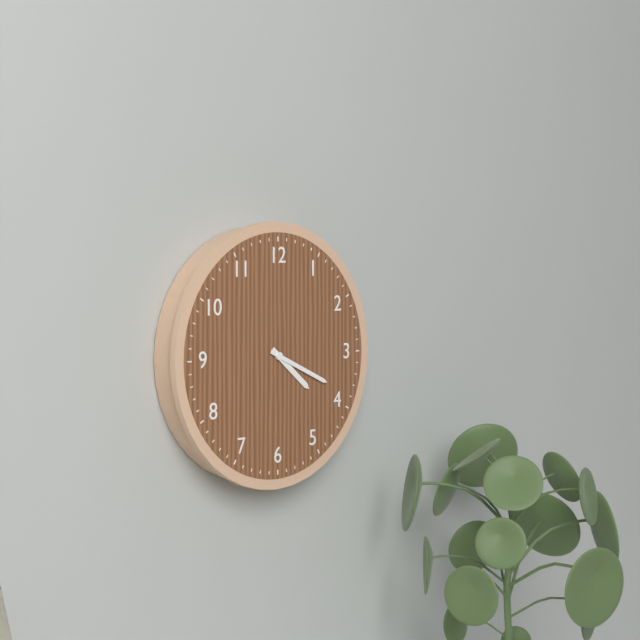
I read 4h19
